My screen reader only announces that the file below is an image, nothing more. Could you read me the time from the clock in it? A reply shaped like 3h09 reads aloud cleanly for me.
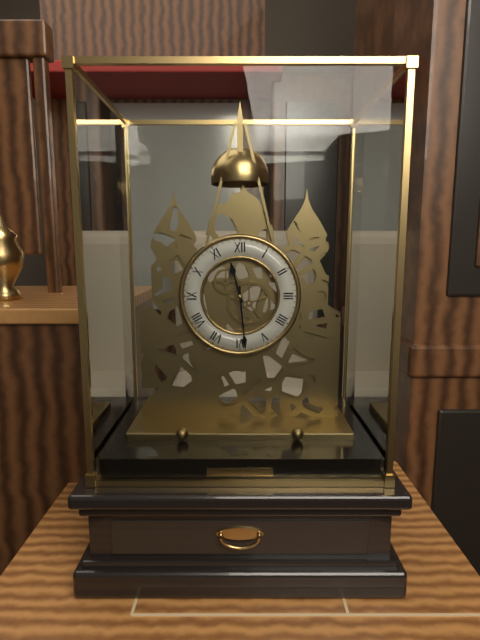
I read 11h29
